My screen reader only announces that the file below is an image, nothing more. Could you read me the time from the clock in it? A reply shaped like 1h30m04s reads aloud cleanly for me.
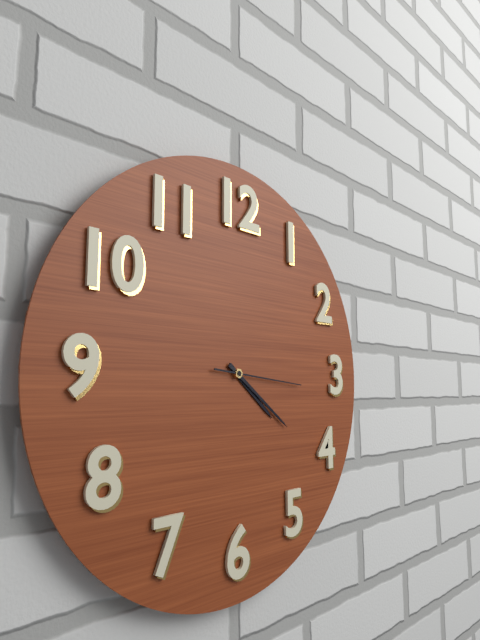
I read 4h21m16s
